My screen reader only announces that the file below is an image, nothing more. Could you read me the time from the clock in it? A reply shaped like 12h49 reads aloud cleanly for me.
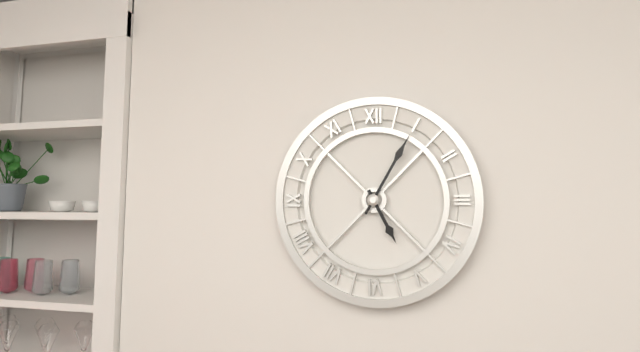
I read 5h05
